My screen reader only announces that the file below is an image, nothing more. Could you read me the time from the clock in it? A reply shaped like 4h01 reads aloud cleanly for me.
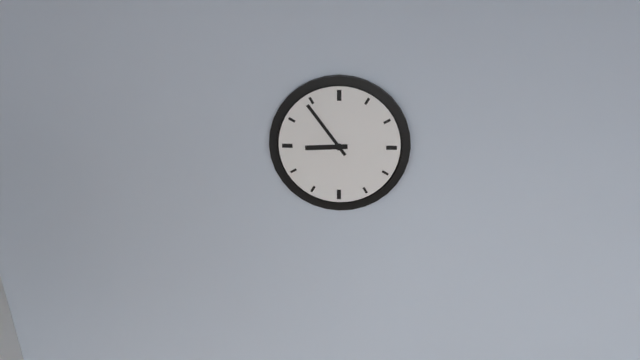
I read 8h54
